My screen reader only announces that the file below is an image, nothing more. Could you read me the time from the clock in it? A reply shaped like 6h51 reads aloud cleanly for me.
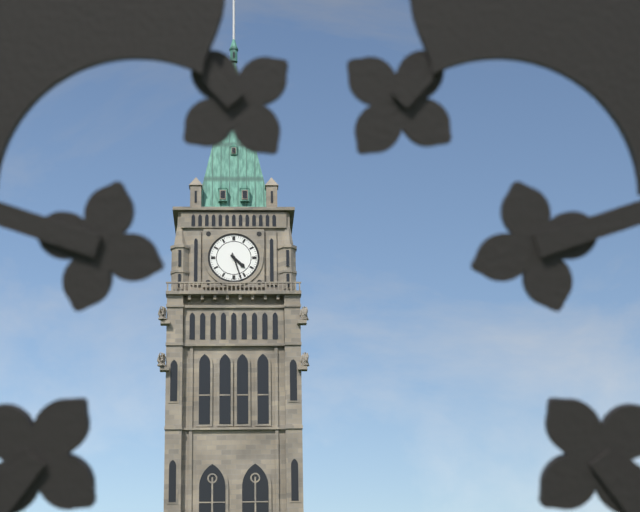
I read 4h27
